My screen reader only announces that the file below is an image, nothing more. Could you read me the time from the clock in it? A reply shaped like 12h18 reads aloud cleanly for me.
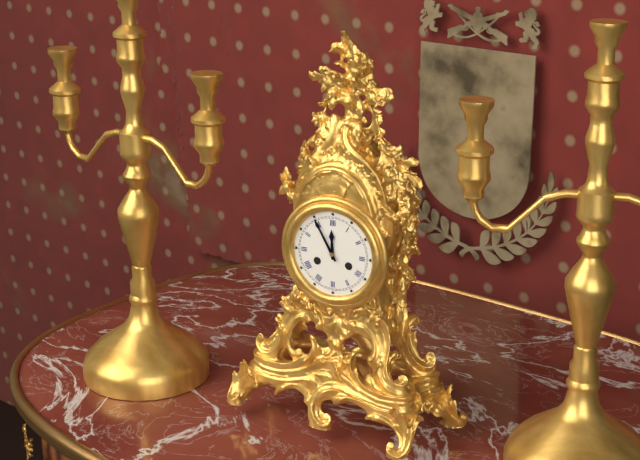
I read 11h55
